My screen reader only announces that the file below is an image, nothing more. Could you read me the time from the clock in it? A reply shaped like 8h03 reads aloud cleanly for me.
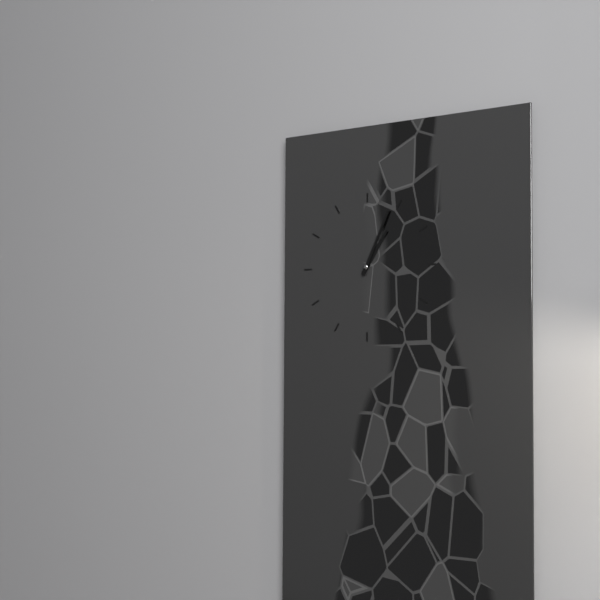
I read 1h04
